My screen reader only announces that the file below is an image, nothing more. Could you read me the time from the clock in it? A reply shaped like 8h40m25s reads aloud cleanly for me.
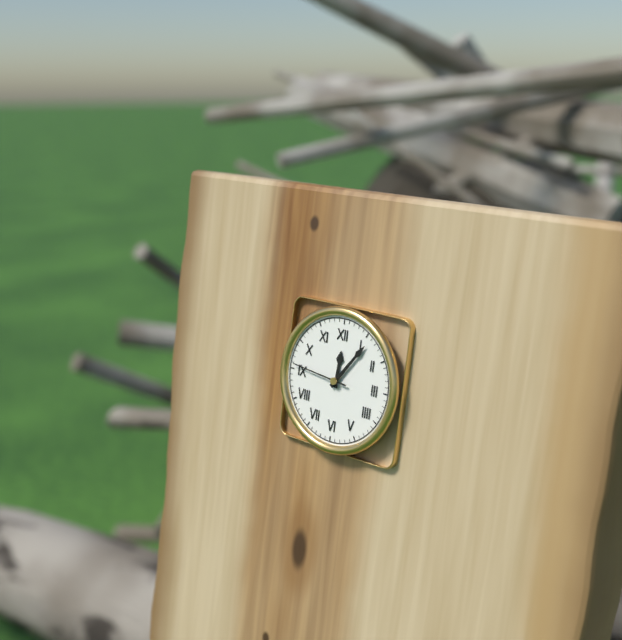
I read 12h06m46s
